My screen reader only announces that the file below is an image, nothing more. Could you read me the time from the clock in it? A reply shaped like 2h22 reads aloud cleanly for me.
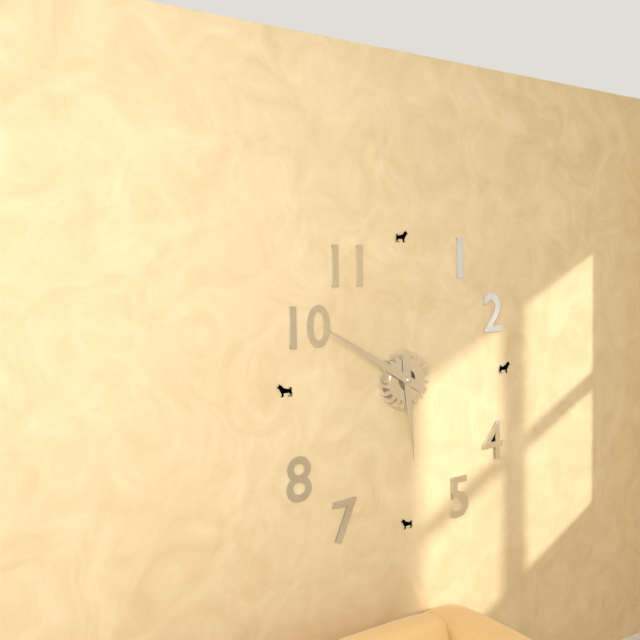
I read 5h50
